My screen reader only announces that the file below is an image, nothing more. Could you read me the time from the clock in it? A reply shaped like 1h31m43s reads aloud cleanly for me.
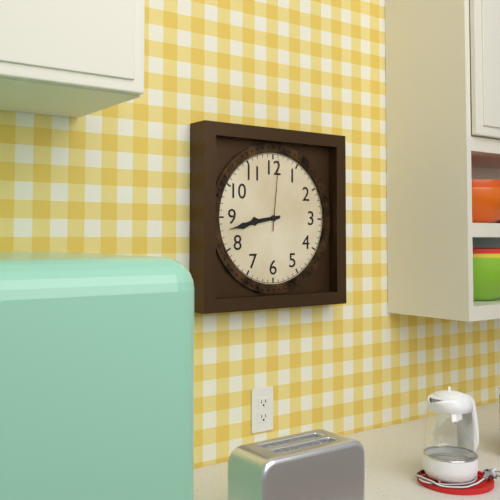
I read 8h43m01s
